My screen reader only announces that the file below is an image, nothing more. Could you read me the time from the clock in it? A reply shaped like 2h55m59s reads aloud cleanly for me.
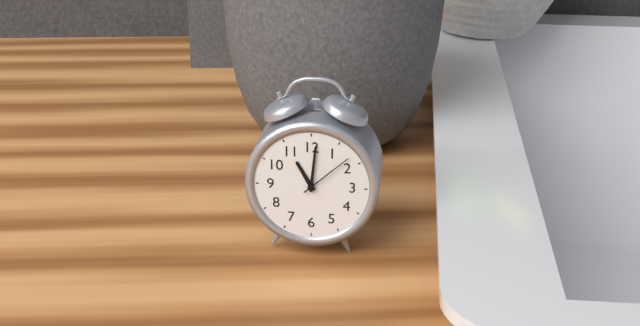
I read 11h01m08s
